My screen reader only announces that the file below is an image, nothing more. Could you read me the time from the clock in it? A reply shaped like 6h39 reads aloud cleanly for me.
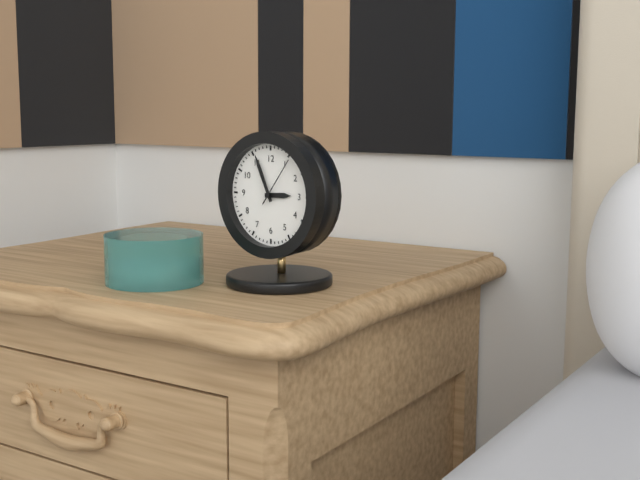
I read 2h56
